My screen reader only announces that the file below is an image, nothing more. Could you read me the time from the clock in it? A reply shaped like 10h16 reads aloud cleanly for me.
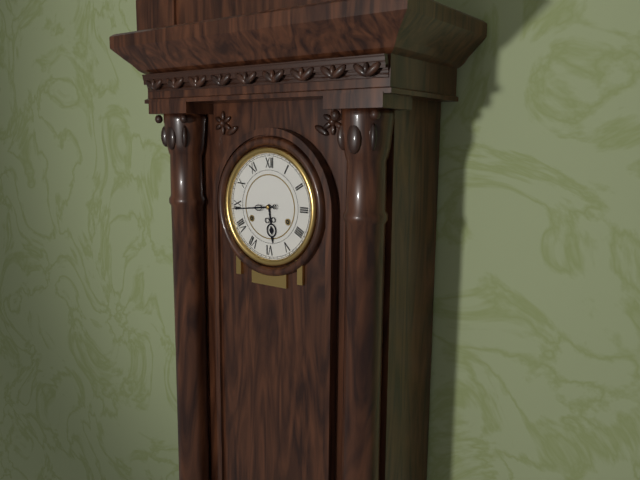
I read 5h44
